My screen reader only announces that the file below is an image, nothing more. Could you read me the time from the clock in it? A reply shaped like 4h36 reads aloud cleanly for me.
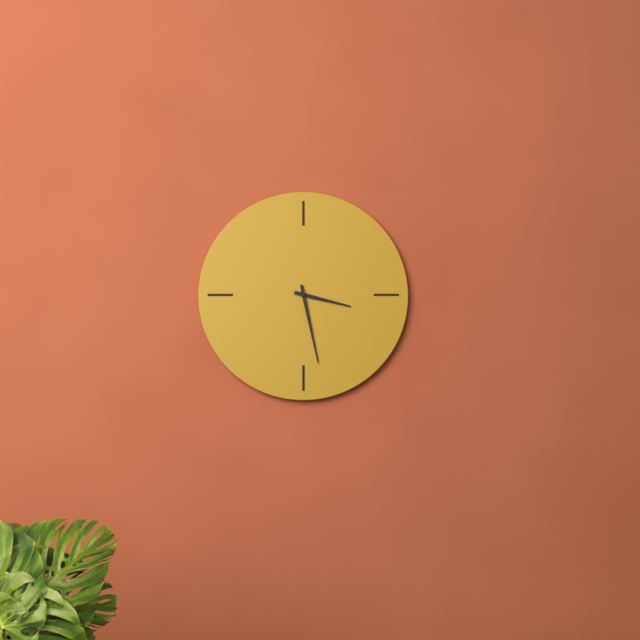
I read 3h28
